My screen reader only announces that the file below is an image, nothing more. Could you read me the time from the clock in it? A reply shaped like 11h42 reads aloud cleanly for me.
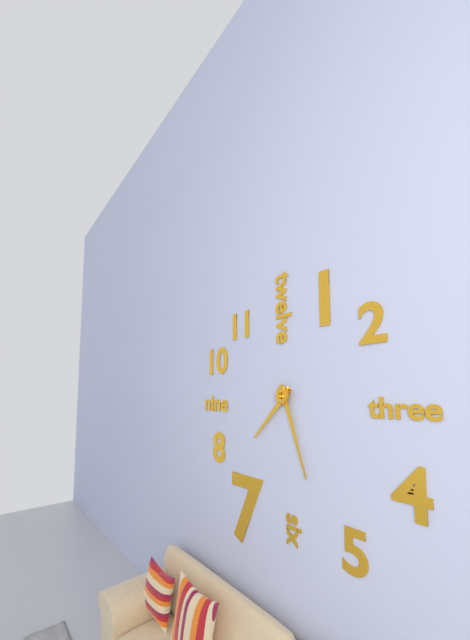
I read 7h27
